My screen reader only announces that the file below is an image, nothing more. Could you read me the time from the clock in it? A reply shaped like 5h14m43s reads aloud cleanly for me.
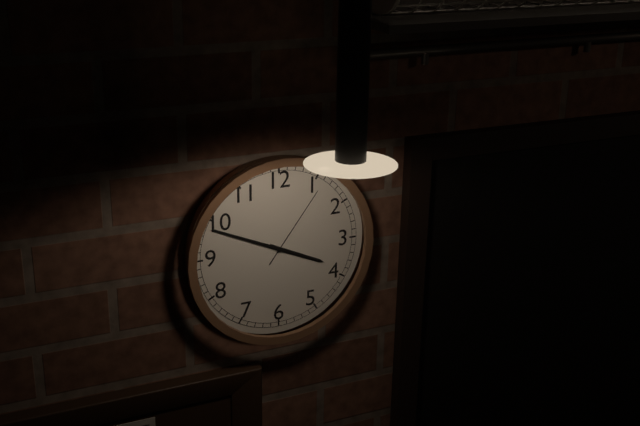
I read 3h49m06s
